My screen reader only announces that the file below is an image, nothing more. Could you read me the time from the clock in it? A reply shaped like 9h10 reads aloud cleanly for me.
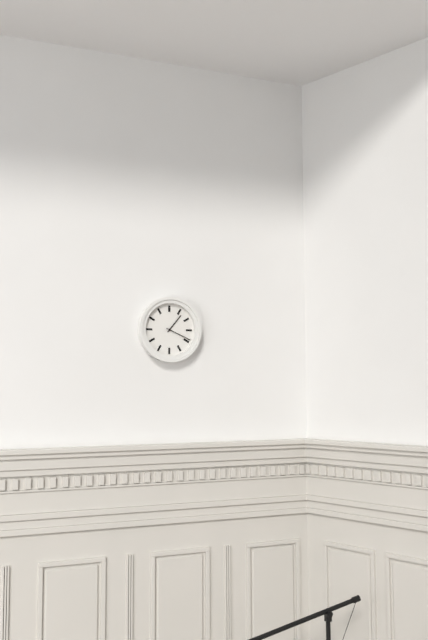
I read 1h19
